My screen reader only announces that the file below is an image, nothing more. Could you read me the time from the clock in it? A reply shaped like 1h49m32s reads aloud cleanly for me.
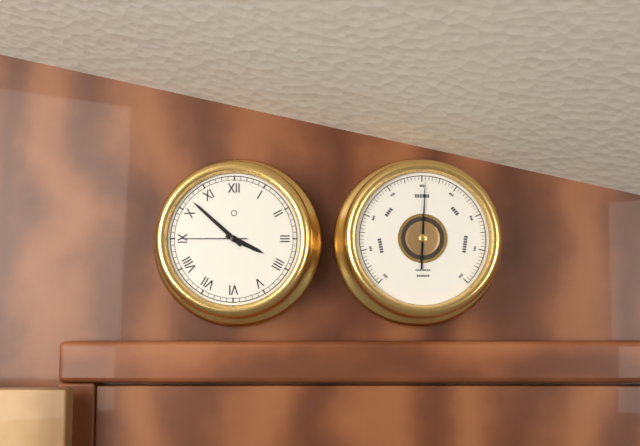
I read 3h52m45s
